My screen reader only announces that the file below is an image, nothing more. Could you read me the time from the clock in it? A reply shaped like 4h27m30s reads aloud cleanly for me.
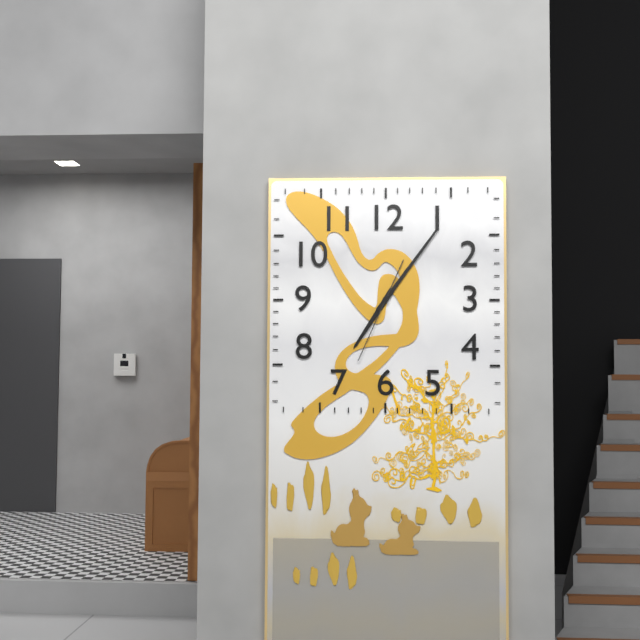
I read 7h06m34s
